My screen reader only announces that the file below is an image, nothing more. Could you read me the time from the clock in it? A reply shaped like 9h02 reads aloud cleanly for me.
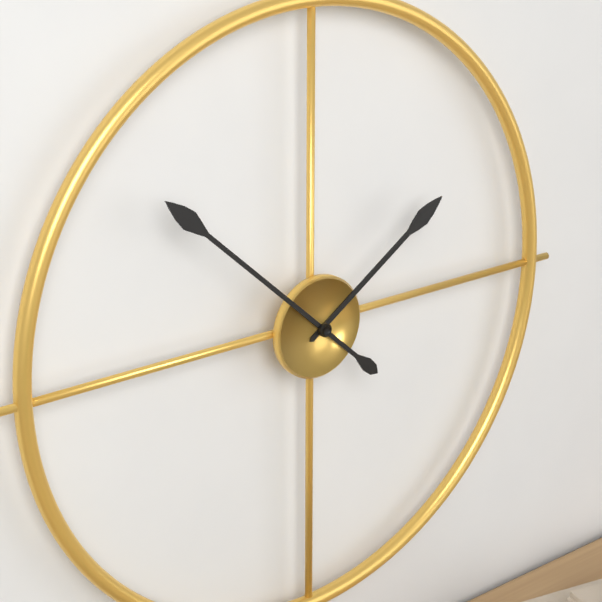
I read 1h52
